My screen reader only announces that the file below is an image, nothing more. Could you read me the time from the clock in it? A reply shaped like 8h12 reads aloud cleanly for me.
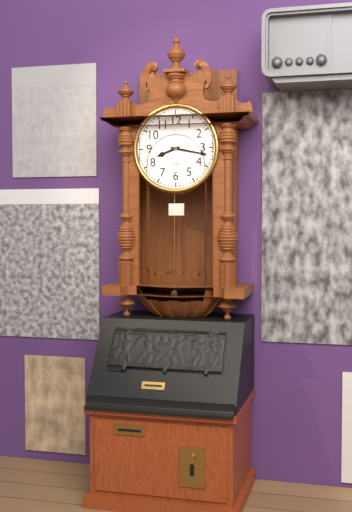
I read 8h17
